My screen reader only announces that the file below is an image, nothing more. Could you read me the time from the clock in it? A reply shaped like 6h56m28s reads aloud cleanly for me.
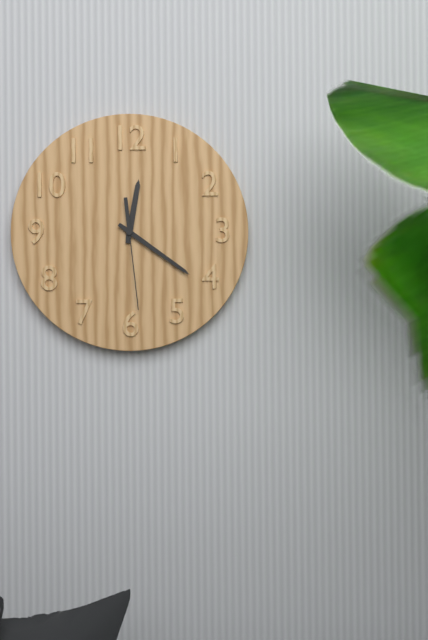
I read 12h21m29s
